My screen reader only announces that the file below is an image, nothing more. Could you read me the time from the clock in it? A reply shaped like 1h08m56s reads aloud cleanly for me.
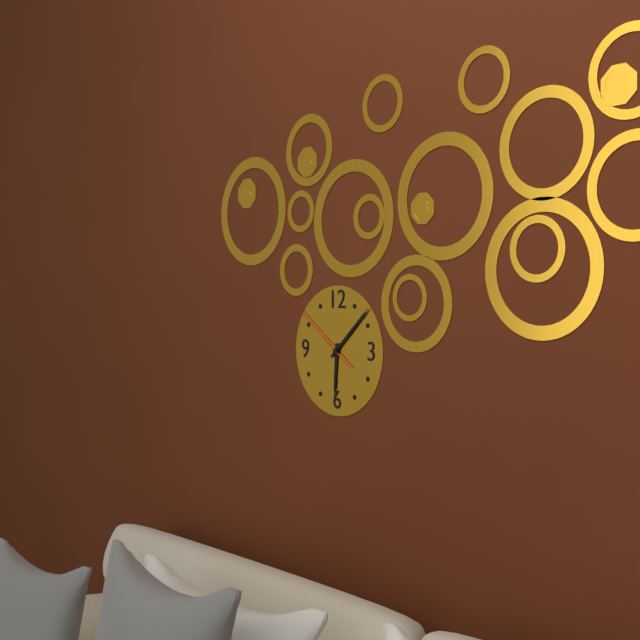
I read 6h08m51s
